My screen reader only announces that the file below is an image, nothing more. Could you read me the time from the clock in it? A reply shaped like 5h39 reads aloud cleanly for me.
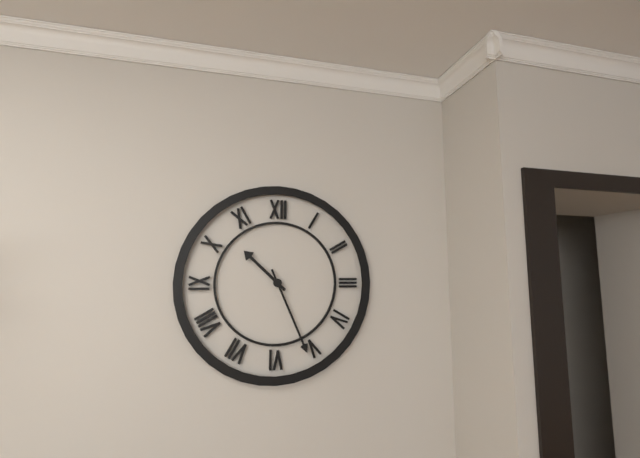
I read 10h26
